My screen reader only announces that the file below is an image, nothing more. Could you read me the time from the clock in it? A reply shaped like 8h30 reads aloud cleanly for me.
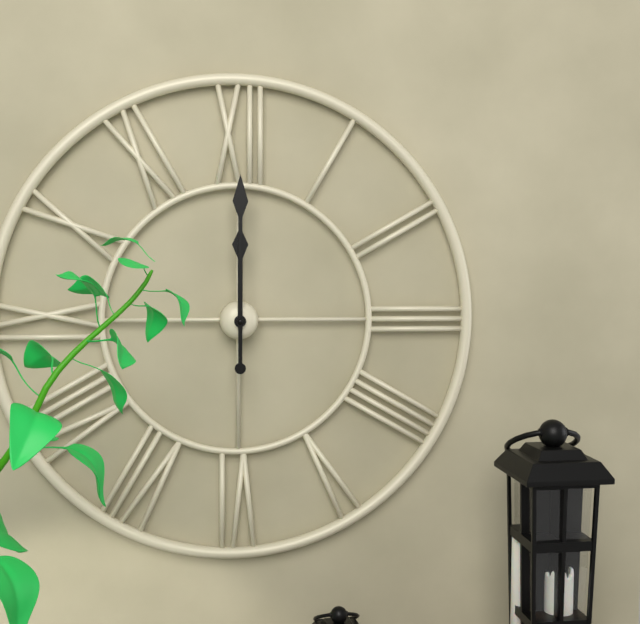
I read 12h00
